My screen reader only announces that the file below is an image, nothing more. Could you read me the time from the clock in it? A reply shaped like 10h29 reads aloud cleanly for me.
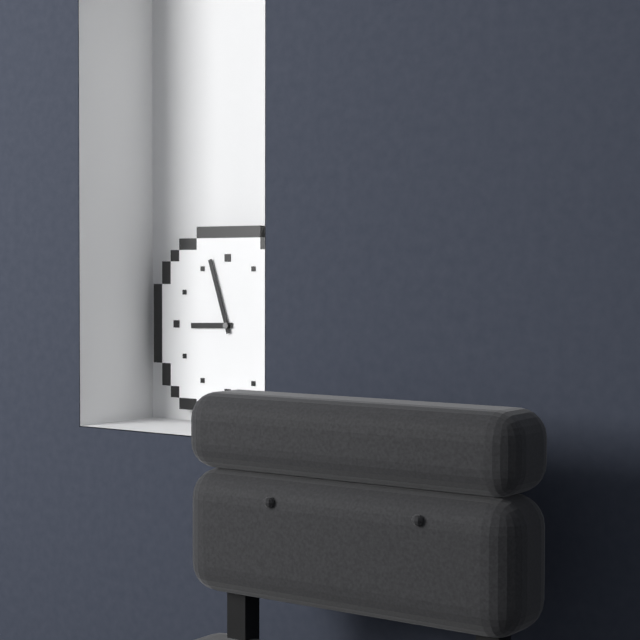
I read 8h57
